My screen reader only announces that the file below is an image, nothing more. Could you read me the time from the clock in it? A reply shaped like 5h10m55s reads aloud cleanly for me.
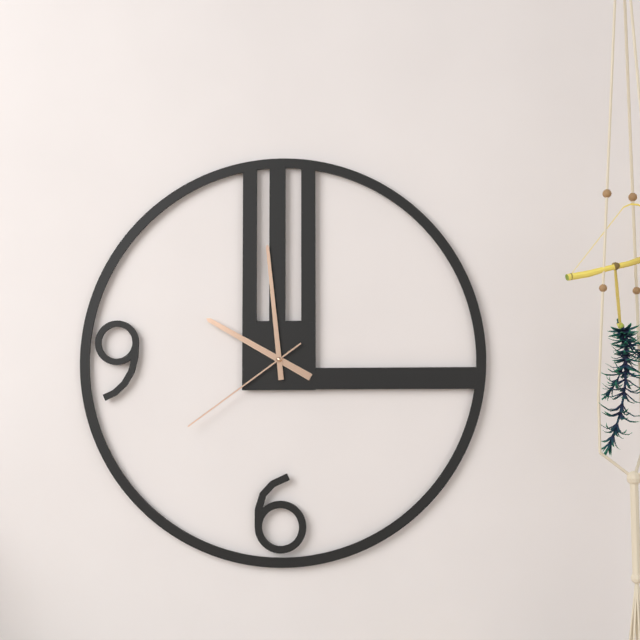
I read 9h59m39s
